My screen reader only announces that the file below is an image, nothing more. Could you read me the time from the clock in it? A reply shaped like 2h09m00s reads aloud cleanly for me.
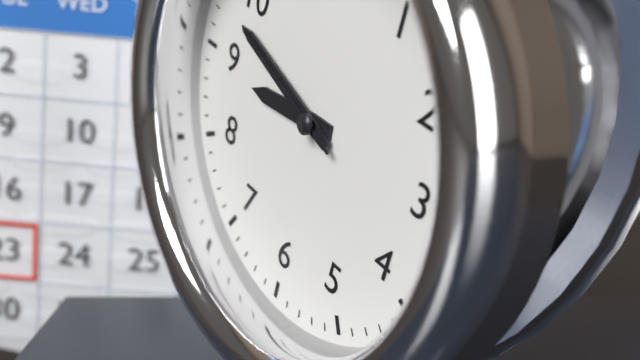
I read 8h48m48s
